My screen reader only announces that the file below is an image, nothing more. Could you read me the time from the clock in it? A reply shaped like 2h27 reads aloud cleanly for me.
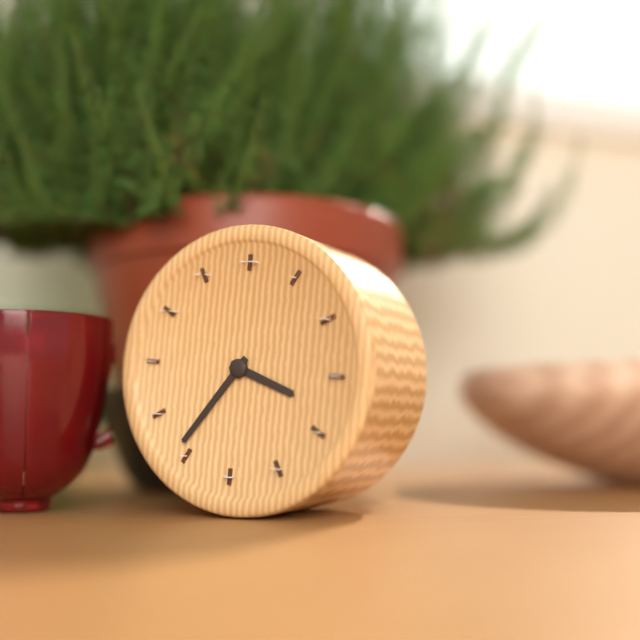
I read 3h36
